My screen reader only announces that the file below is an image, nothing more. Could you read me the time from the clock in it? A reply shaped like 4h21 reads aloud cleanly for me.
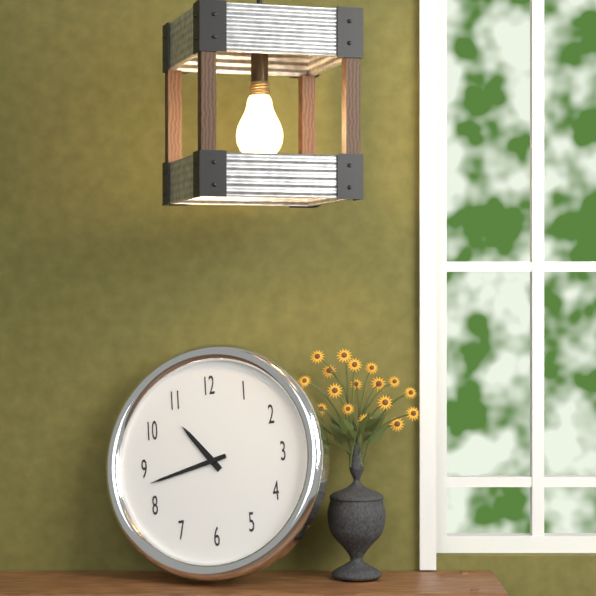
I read 10h43
